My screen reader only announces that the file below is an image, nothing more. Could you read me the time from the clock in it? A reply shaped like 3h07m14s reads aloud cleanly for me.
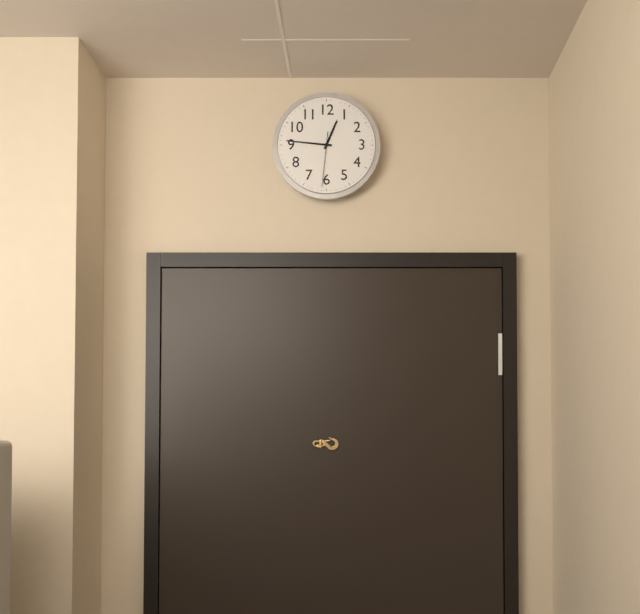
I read 12h46m31s
